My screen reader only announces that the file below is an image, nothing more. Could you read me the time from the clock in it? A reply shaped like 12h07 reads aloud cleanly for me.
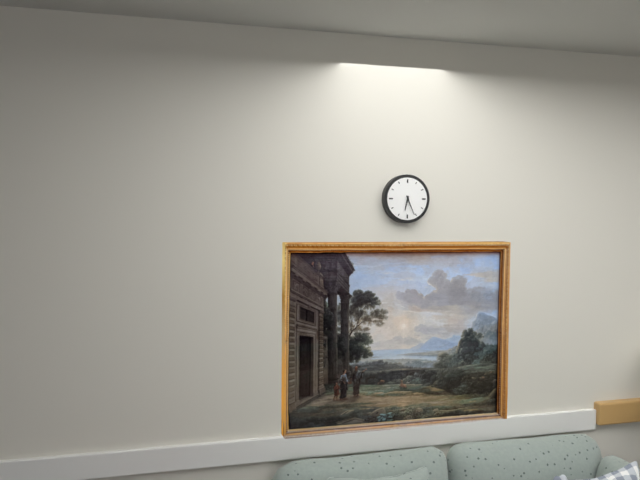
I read 6h26
